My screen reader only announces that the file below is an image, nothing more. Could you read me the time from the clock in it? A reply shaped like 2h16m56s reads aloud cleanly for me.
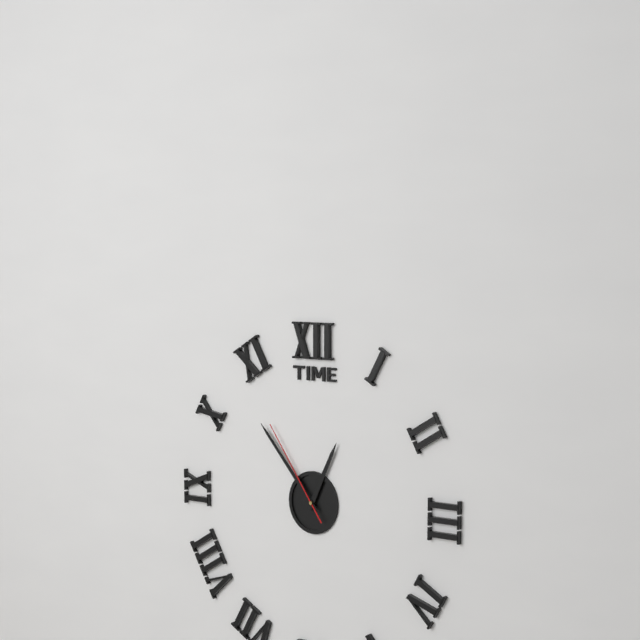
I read 12h53m54s
